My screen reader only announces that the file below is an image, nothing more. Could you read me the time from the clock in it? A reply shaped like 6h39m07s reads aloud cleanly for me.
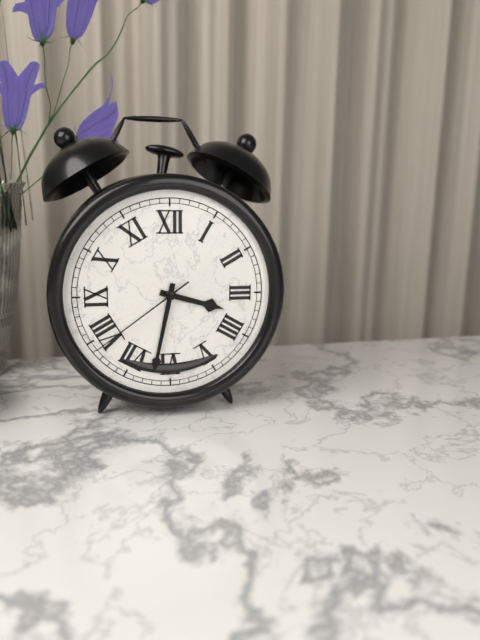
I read 3h32m39s
